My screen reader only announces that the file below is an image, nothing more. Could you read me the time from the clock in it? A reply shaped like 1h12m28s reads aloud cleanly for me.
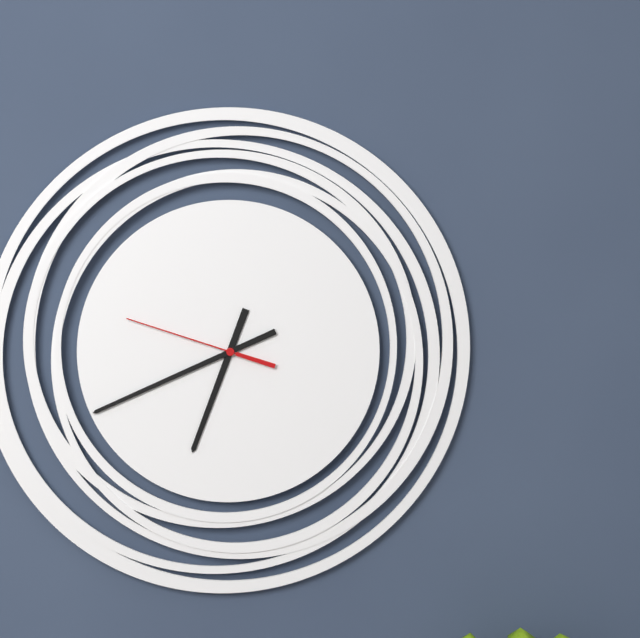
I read 6h41m48s
